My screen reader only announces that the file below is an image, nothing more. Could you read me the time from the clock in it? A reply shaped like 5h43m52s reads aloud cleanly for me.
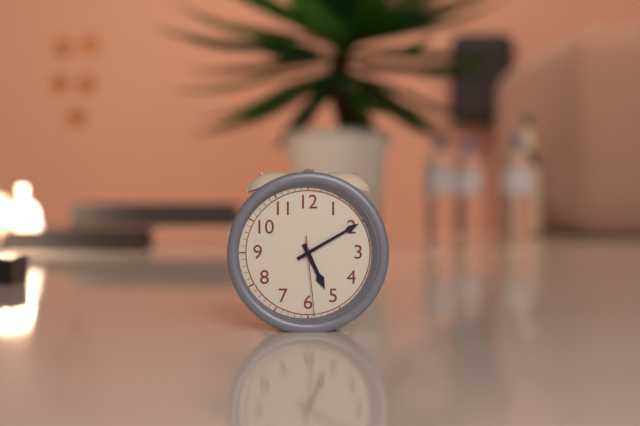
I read 5h10m29s
